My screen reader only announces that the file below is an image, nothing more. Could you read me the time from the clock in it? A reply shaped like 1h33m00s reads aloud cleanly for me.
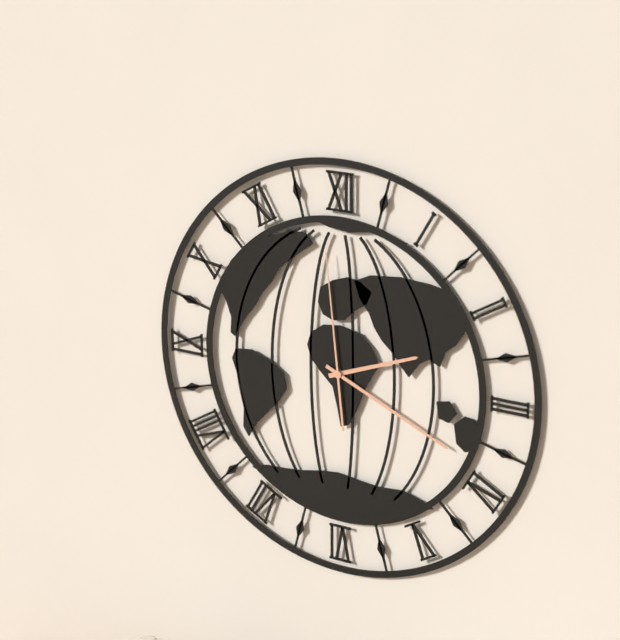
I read 2h19m59s
